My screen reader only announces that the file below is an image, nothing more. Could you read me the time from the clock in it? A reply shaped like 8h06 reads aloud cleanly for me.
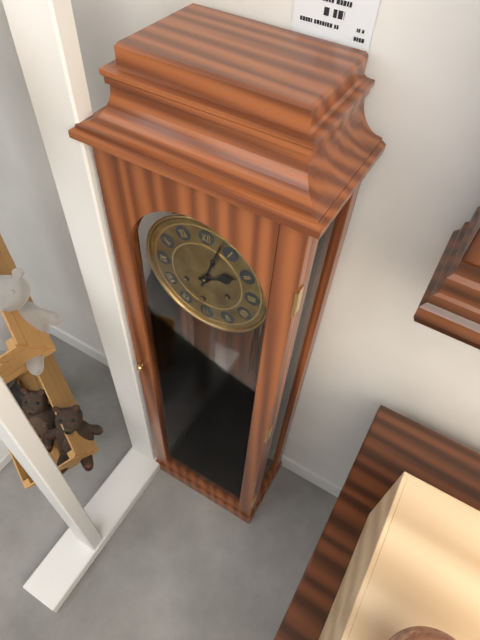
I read 2h03
